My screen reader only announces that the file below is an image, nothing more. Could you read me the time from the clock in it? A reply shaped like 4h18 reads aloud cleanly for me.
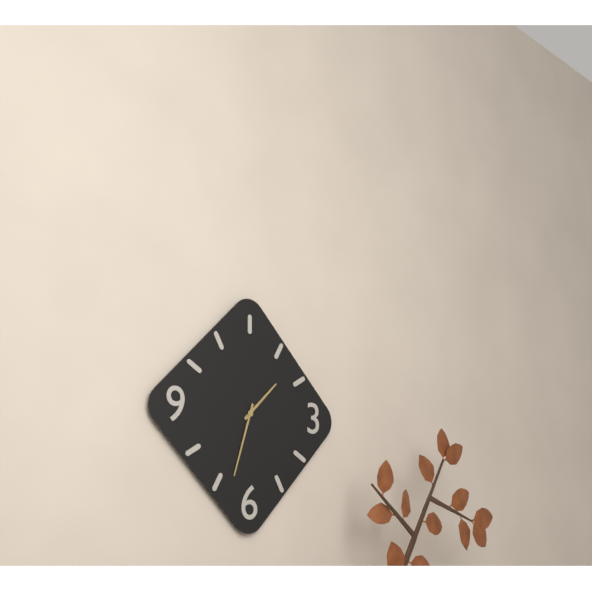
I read 1h33
